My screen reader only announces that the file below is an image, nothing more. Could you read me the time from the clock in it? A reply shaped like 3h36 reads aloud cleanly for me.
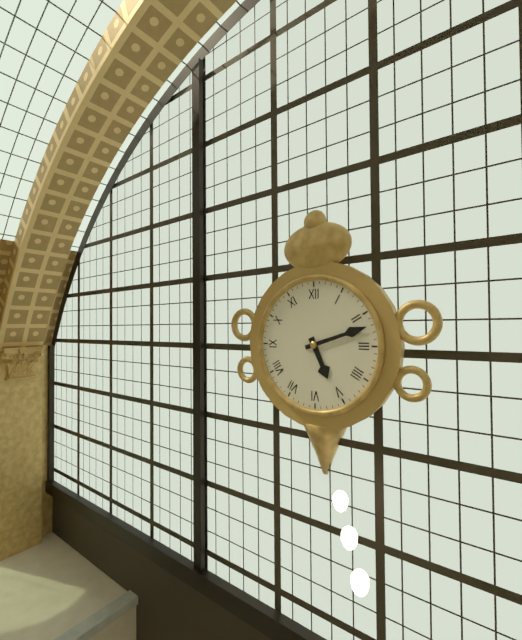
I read 5h12
